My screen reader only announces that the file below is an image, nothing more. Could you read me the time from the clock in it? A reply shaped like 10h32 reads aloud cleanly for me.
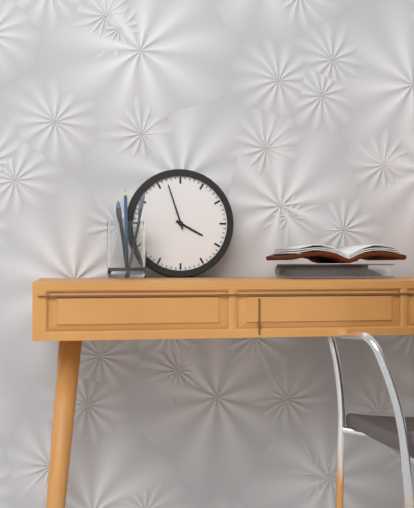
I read 3h57
